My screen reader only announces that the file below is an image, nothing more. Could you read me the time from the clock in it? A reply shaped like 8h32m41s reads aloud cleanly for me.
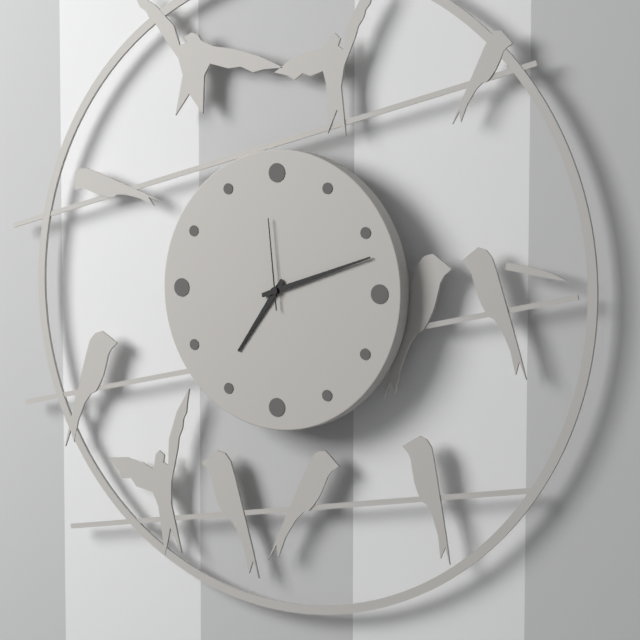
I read 7h12m59s
